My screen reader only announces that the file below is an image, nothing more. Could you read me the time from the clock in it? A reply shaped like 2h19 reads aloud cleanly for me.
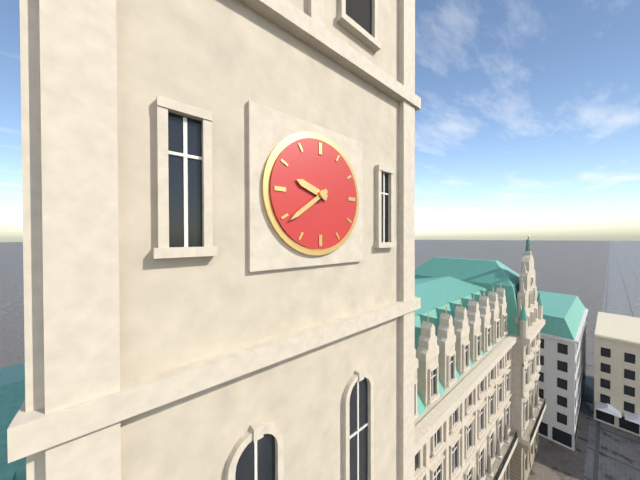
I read 9h39
